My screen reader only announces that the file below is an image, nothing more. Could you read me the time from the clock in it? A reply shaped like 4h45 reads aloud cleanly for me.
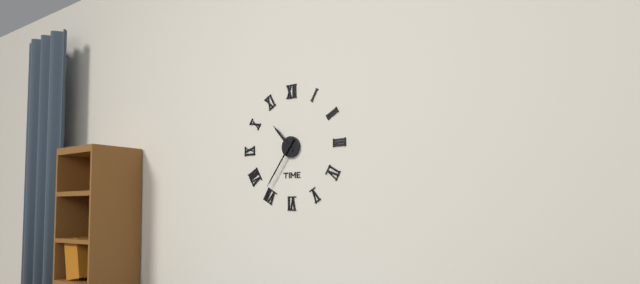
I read 10h36
